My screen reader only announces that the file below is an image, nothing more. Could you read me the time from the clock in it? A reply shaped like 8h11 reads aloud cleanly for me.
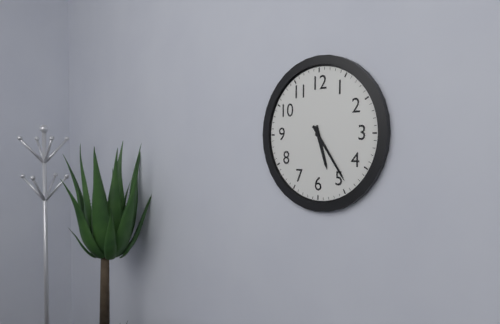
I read 5h24
